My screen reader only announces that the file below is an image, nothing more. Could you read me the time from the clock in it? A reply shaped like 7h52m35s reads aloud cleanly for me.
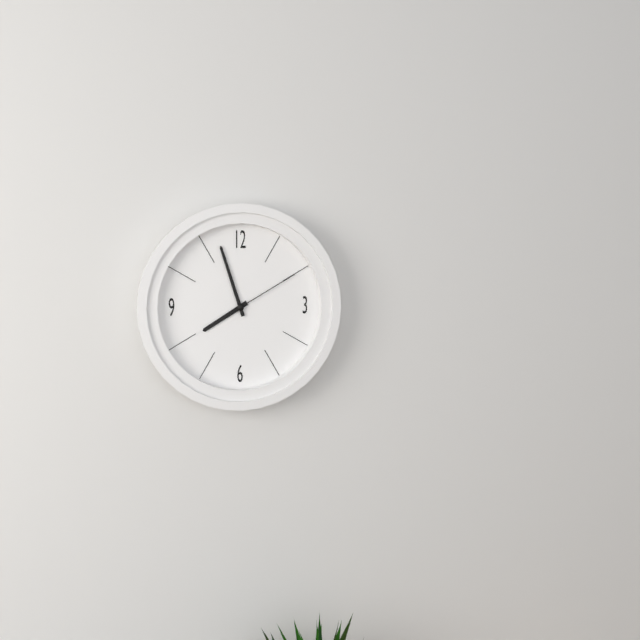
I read 7h57m10s
